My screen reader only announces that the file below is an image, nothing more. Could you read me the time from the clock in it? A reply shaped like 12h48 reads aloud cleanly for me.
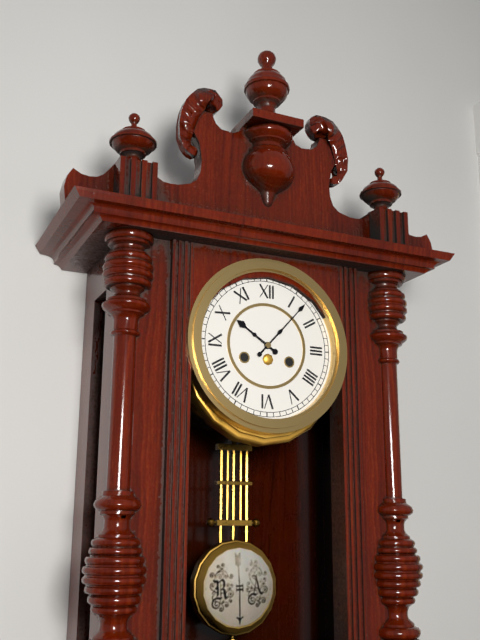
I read 10h07
